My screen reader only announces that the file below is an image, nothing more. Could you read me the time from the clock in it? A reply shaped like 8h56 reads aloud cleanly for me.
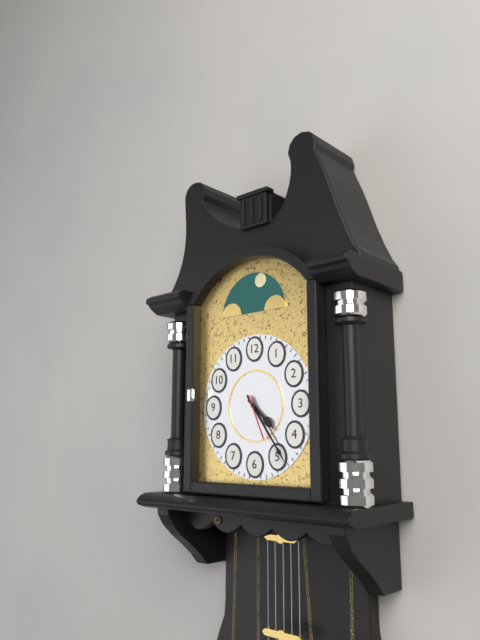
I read 4h24
